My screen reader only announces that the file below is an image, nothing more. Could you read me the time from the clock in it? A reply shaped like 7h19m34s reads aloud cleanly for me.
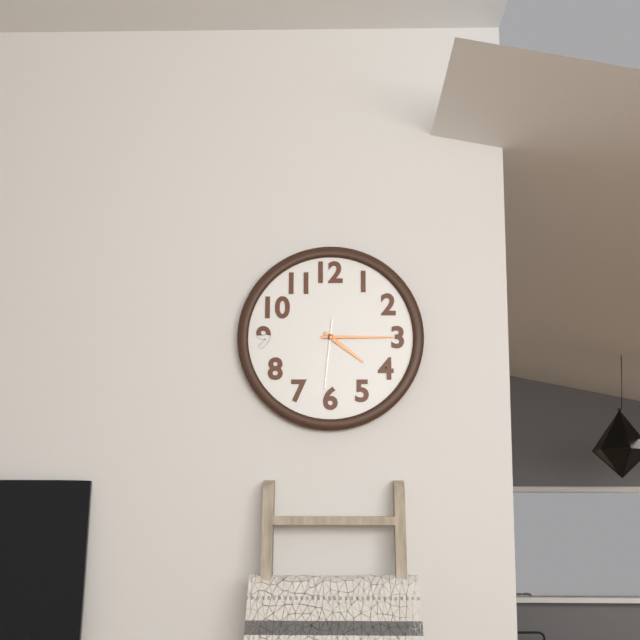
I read 4h15m31s
